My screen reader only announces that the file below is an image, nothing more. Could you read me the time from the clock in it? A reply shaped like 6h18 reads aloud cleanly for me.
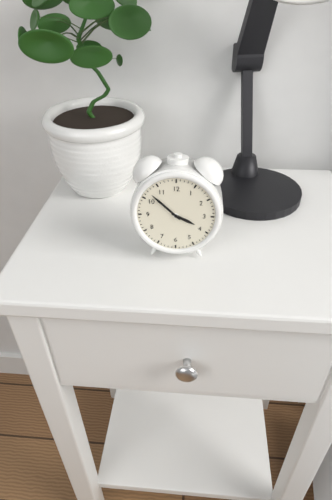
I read 3h52
